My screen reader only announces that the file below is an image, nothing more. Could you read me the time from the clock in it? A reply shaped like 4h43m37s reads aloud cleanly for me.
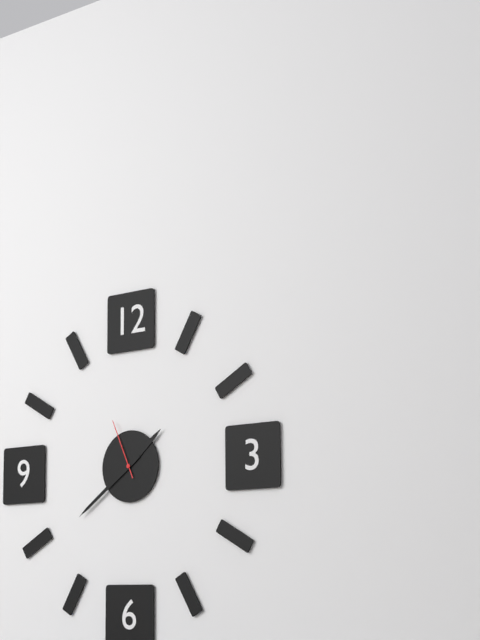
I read 1h39m56s
